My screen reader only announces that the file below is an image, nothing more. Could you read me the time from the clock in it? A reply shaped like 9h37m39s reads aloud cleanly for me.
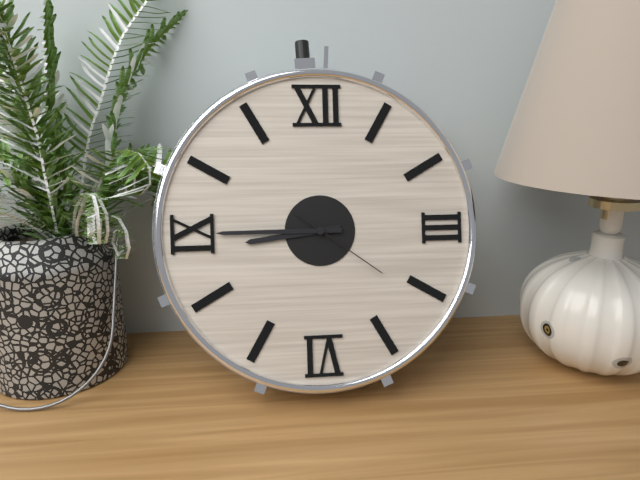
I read 8h45m21s
